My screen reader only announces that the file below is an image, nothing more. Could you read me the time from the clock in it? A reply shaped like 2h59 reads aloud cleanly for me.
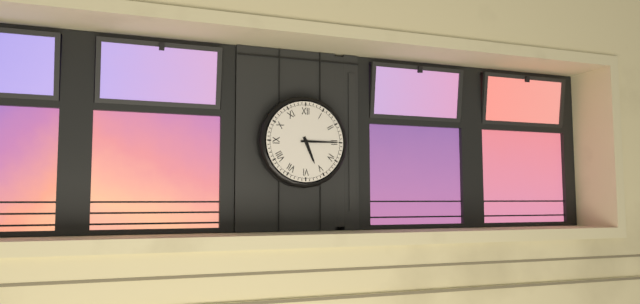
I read 5h15
